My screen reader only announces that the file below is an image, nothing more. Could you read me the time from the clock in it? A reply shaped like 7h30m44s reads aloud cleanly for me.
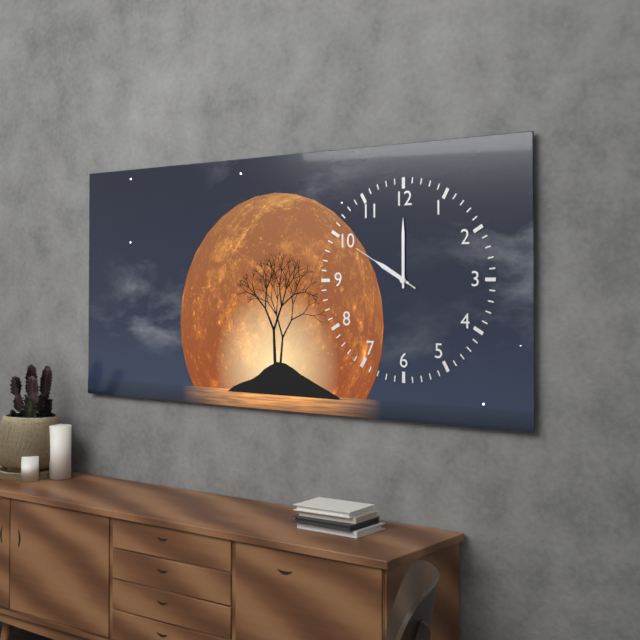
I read 10h00m50s
